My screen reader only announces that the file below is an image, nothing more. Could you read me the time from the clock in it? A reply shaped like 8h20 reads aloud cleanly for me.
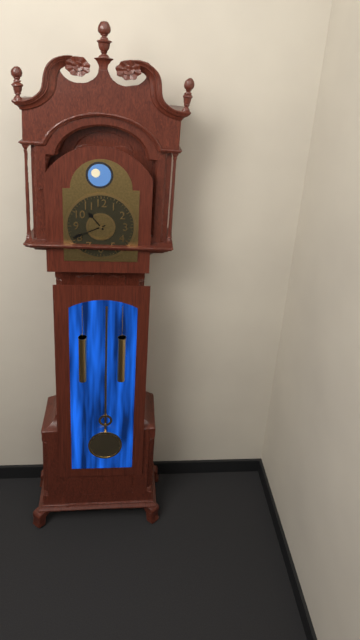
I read 10h41
